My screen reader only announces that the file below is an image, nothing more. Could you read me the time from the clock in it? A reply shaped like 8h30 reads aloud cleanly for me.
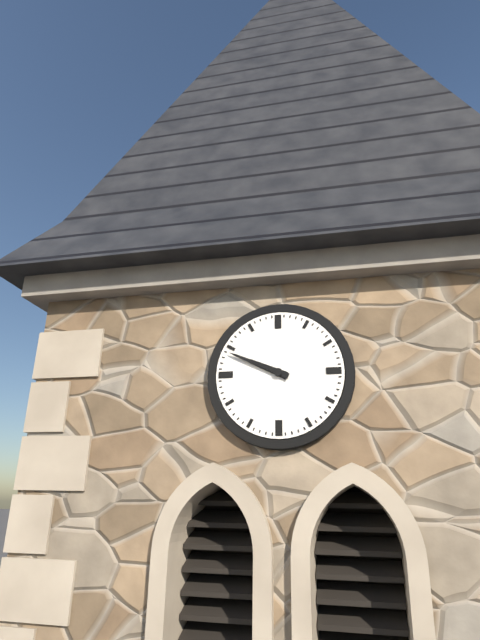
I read 9h49
